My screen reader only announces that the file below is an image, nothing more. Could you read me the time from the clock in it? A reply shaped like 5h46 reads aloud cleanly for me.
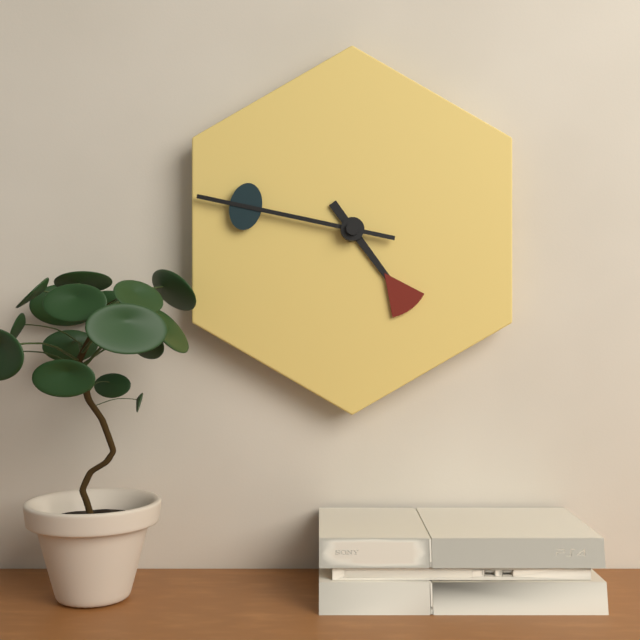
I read 4h47
